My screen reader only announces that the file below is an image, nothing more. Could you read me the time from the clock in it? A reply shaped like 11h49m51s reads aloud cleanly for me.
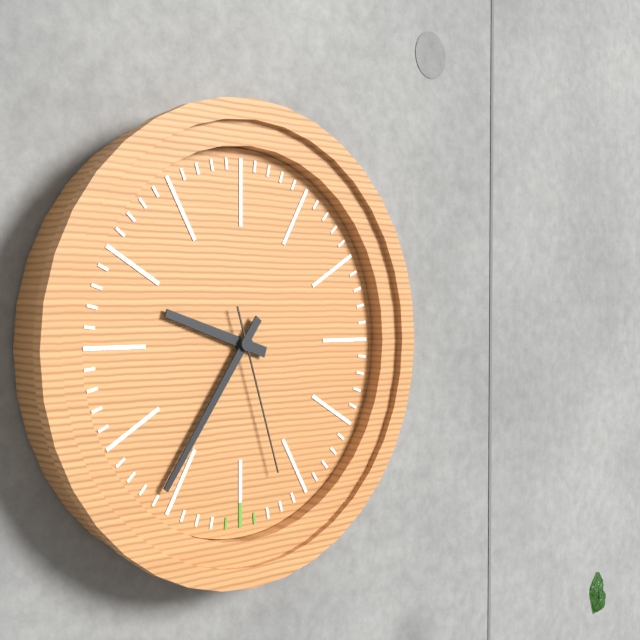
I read 9h36m27s
